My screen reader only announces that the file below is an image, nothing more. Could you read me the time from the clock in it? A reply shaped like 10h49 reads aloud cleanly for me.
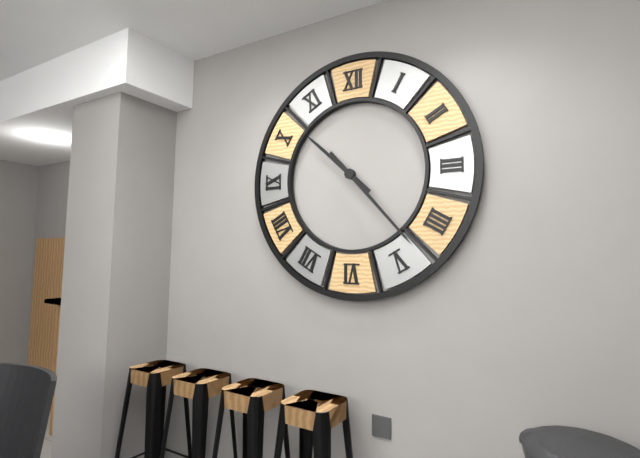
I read 10h23
